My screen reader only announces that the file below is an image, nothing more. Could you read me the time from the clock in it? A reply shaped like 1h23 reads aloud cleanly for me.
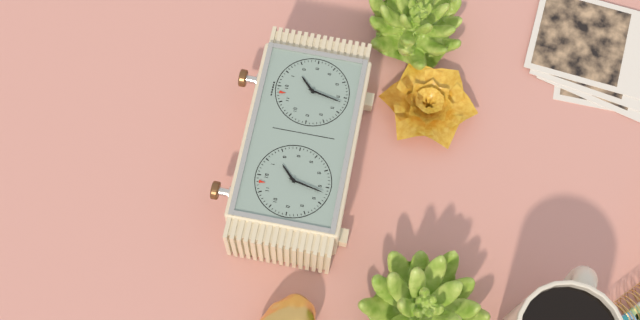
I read 1h32
